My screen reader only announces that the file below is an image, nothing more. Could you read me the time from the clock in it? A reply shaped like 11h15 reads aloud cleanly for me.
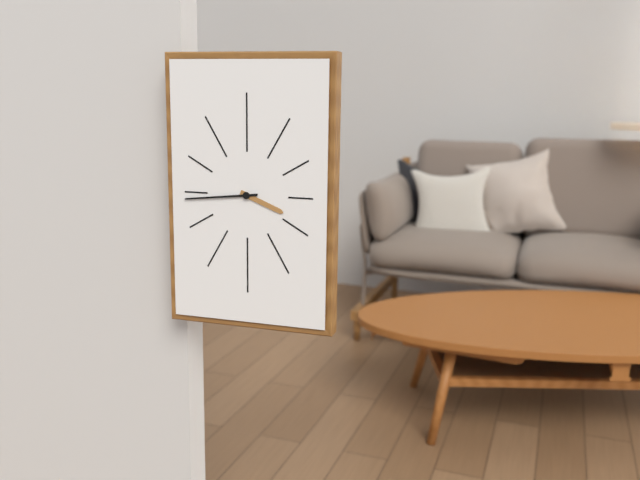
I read 3h44
